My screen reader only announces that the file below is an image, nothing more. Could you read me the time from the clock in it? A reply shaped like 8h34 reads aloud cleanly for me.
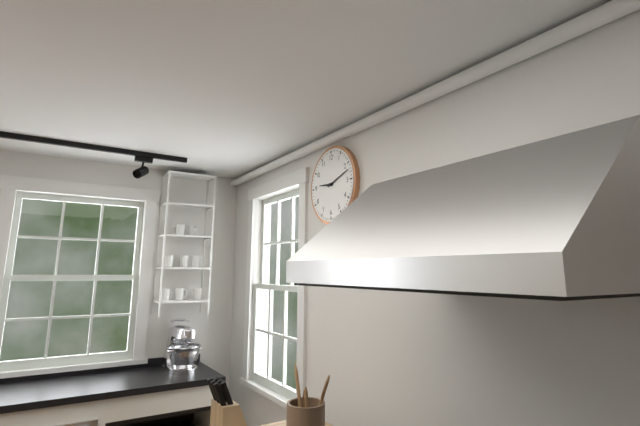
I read 9h12
